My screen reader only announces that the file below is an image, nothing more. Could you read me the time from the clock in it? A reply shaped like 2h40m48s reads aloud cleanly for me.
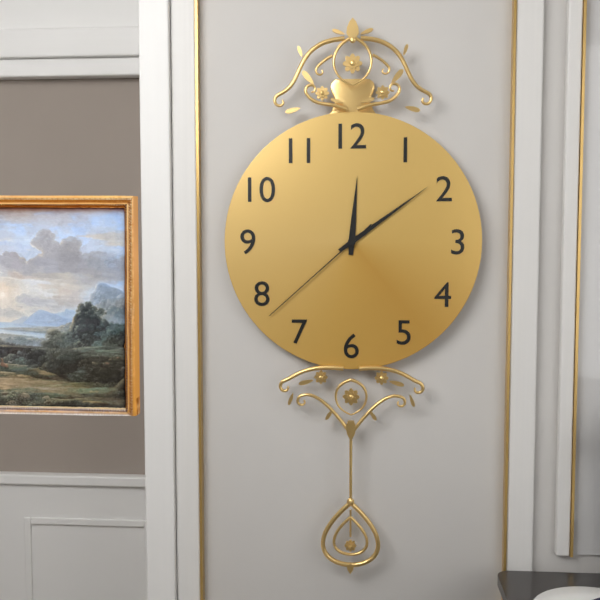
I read 12h09m38s
